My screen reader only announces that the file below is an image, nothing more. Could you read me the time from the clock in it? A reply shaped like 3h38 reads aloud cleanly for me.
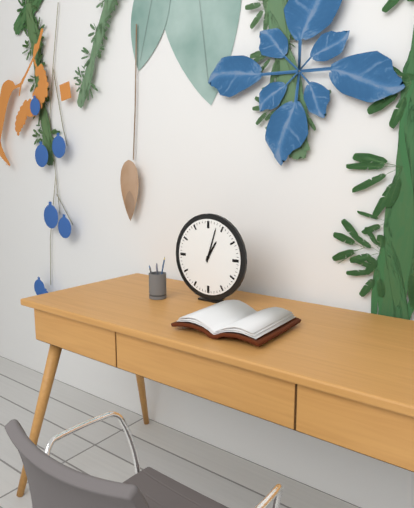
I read 1h03
